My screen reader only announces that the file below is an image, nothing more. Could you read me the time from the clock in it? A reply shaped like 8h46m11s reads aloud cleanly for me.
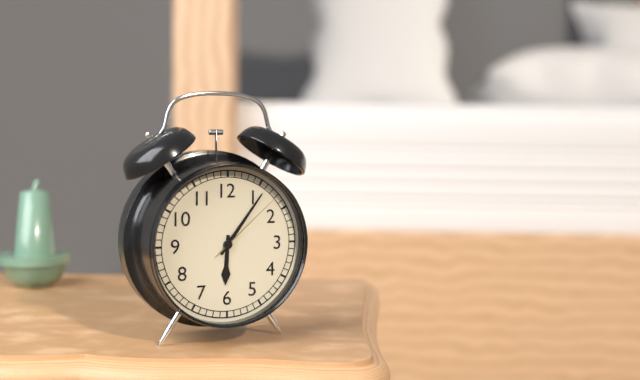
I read 6h06m08s
